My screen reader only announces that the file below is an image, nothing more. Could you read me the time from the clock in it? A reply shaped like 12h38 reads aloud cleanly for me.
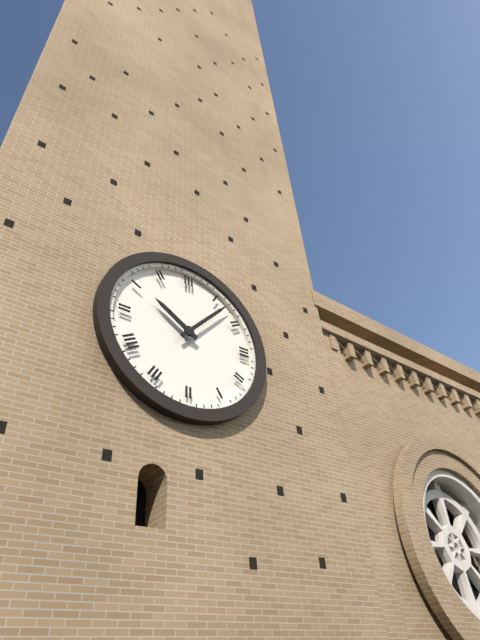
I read 10h07
